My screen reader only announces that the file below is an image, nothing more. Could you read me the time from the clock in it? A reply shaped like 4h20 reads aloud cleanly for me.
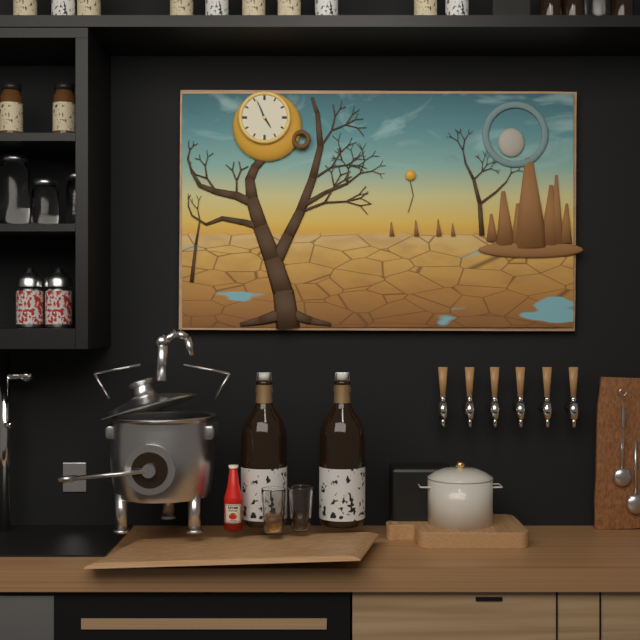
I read 4h56
